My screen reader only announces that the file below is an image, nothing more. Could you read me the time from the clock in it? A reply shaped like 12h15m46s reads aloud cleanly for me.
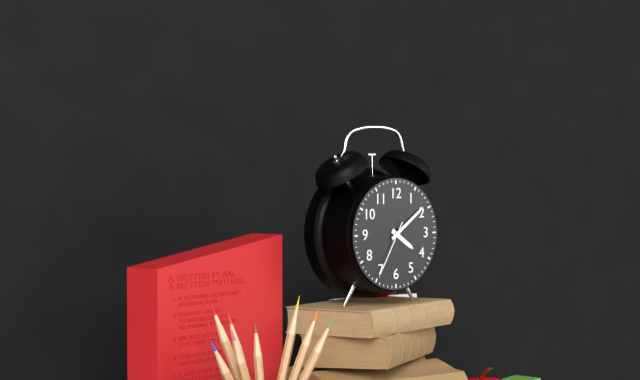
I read 4h09m35s
